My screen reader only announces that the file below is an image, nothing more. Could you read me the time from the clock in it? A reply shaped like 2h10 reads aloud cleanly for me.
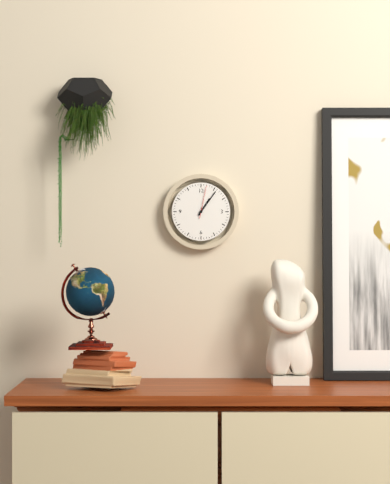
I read 1h06
